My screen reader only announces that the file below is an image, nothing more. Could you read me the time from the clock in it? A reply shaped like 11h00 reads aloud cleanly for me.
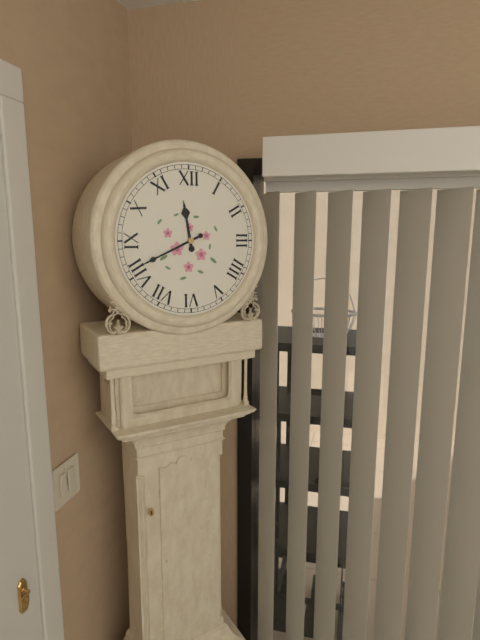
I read 11h41
